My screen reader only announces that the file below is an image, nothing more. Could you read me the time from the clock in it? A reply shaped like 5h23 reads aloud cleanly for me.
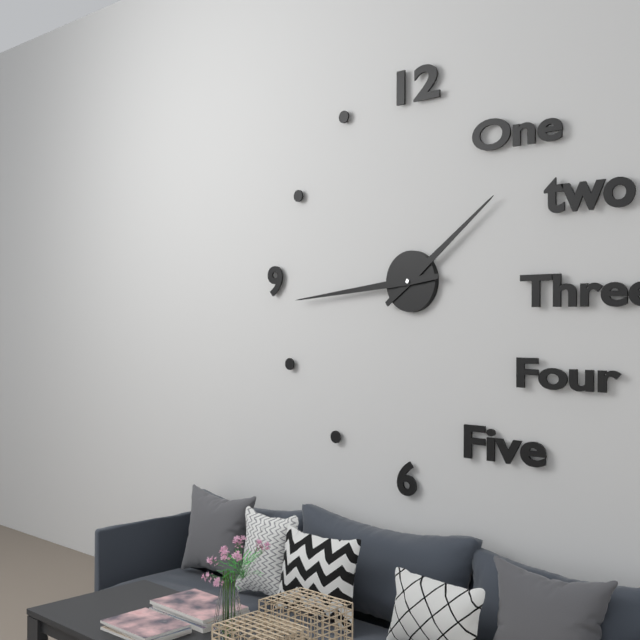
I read 1h44
